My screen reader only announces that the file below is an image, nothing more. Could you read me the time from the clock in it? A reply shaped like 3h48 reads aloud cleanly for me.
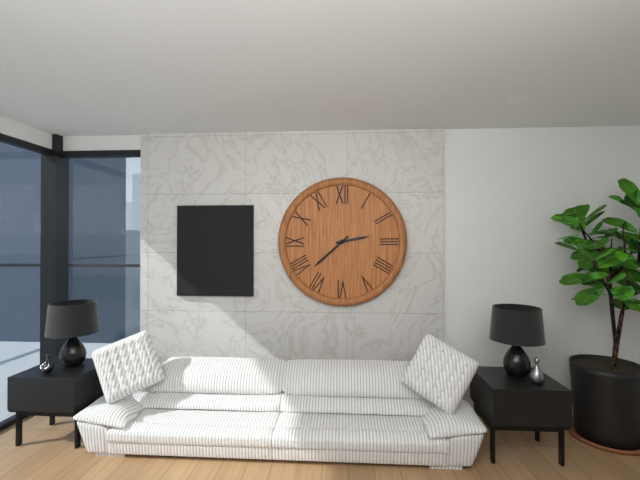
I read 2h38
